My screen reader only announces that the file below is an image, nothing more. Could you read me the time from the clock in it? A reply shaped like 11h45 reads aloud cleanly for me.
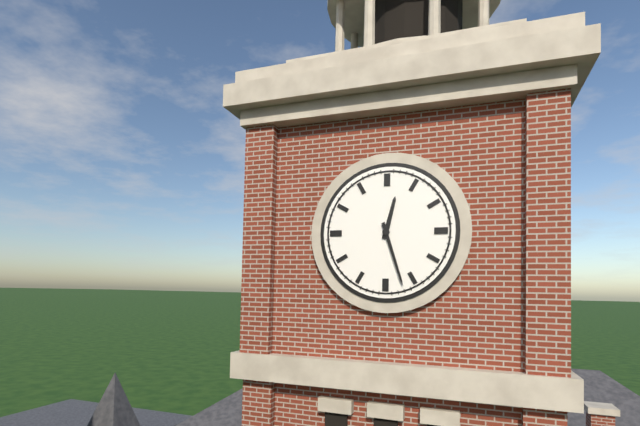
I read 12h27
